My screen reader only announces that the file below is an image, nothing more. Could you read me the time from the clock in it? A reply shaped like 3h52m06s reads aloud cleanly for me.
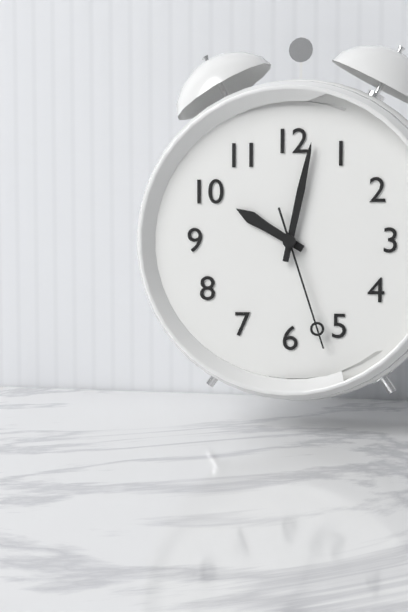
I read 10h02m27s
